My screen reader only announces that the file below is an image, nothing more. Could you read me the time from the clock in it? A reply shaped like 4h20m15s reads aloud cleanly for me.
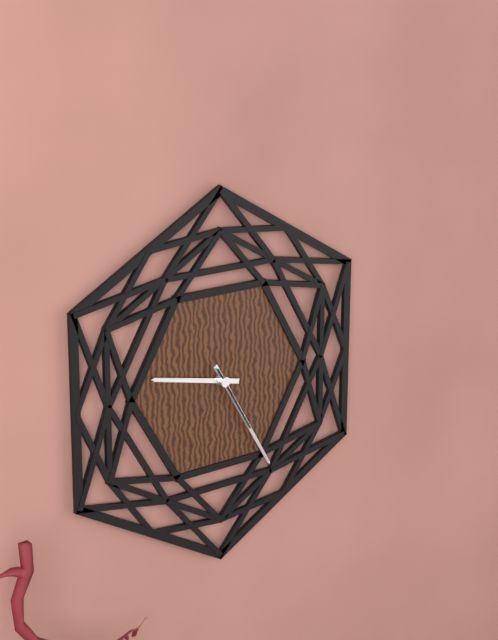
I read 9h25m25s
